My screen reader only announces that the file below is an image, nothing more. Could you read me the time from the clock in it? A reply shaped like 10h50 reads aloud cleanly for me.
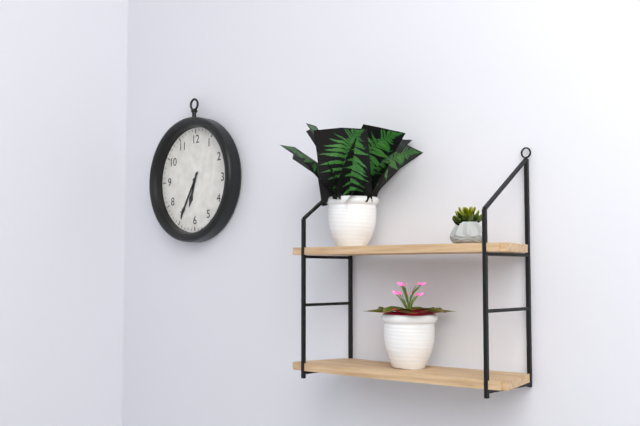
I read 6h35
